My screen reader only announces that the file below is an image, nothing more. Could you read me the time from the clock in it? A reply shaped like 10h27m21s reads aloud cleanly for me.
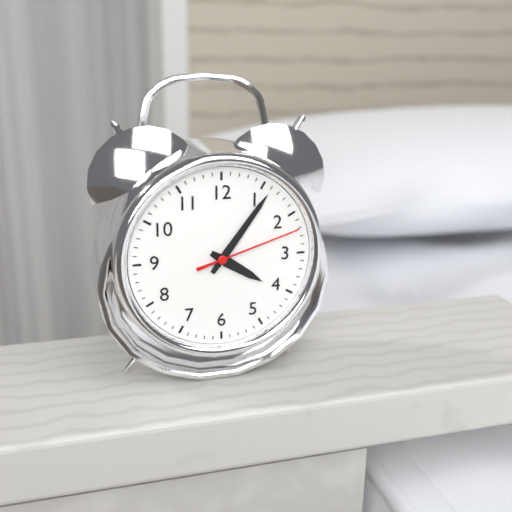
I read 4h06m12s
